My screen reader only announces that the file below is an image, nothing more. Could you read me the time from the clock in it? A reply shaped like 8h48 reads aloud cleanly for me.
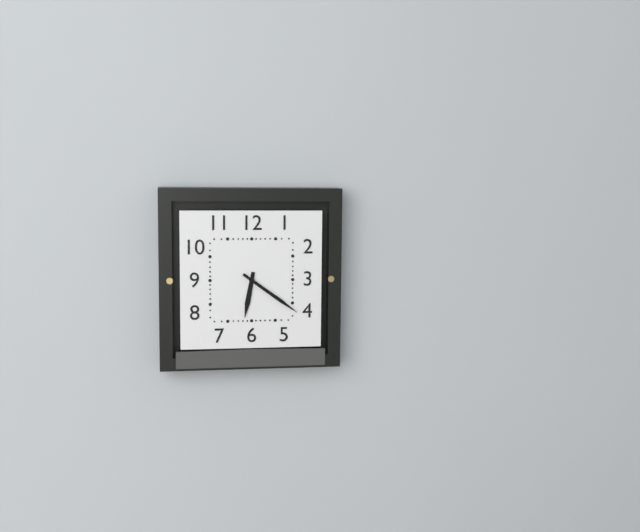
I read 6h21
